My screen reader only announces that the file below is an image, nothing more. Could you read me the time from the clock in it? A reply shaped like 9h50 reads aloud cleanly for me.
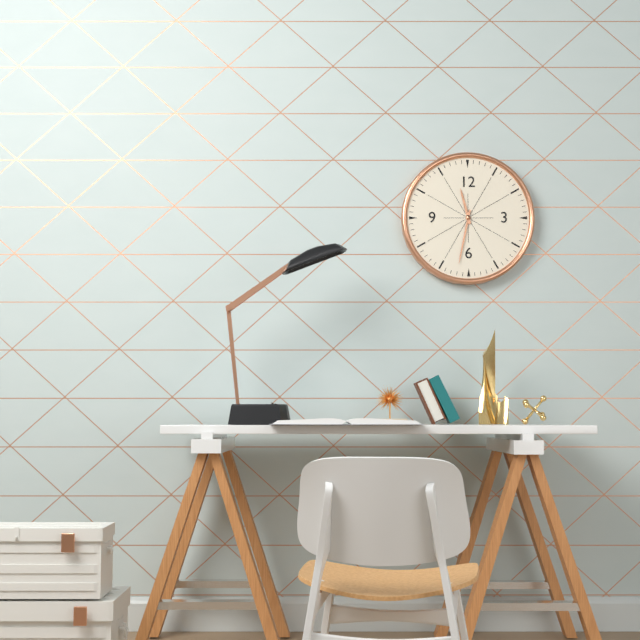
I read 11h32
